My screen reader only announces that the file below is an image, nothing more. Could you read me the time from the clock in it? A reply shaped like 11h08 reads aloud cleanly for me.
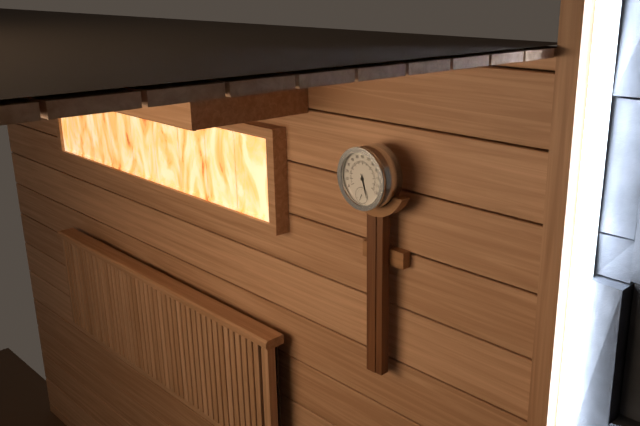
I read 5h27
